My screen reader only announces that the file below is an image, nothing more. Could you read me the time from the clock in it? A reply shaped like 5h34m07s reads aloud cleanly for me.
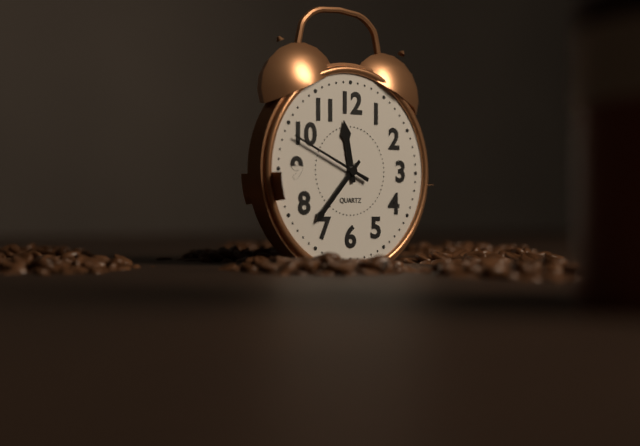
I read 11h37m49s
